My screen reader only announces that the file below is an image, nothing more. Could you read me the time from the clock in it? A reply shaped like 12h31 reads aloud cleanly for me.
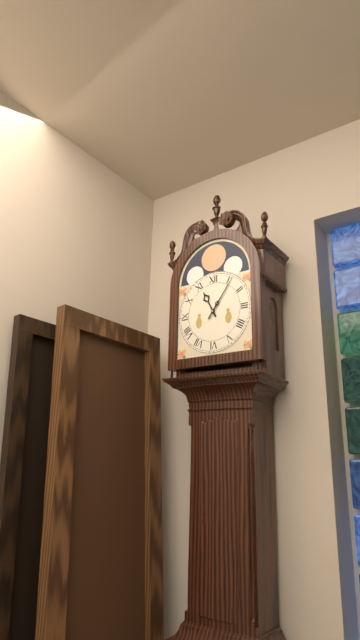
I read 11h06
